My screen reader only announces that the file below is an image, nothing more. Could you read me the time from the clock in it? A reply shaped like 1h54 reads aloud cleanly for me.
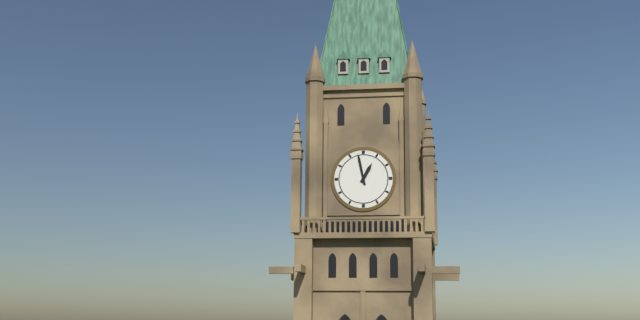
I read 12h58
